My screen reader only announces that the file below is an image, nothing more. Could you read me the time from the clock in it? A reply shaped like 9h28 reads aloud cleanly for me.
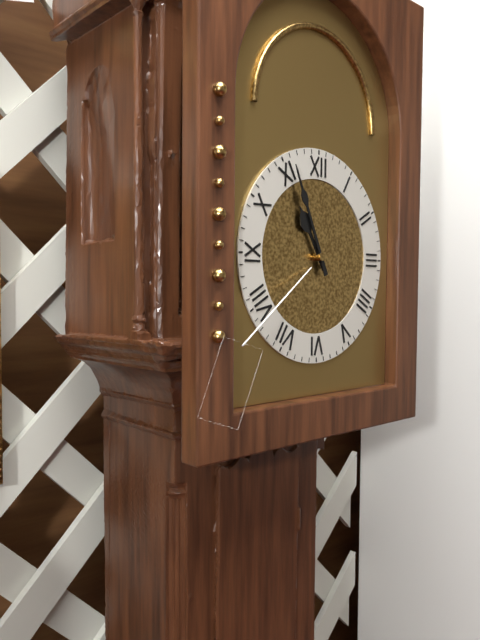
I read 10h56
